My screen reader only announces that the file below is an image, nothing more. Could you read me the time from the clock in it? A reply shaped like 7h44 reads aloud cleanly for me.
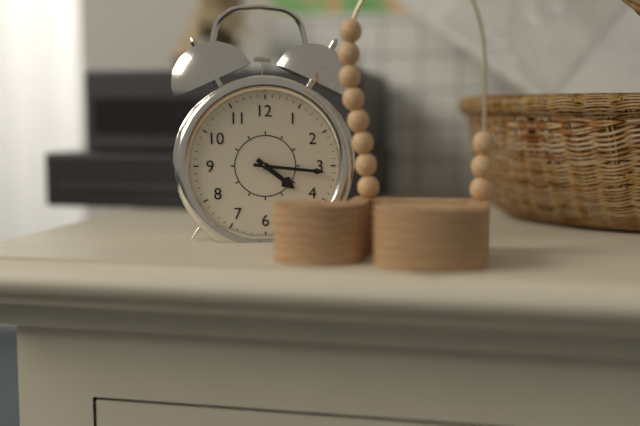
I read 4h16
